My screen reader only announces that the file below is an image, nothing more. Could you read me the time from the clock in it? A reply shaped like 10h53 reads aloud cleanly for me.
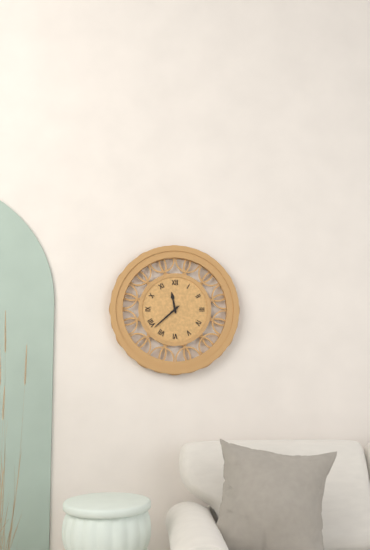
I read 11h38
